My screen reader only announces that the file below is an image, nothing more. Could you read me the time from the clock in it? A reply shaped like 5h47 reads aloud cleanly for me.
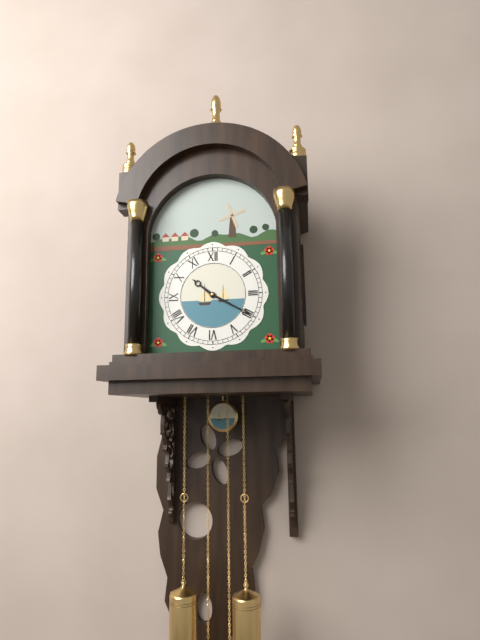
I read 10h20
